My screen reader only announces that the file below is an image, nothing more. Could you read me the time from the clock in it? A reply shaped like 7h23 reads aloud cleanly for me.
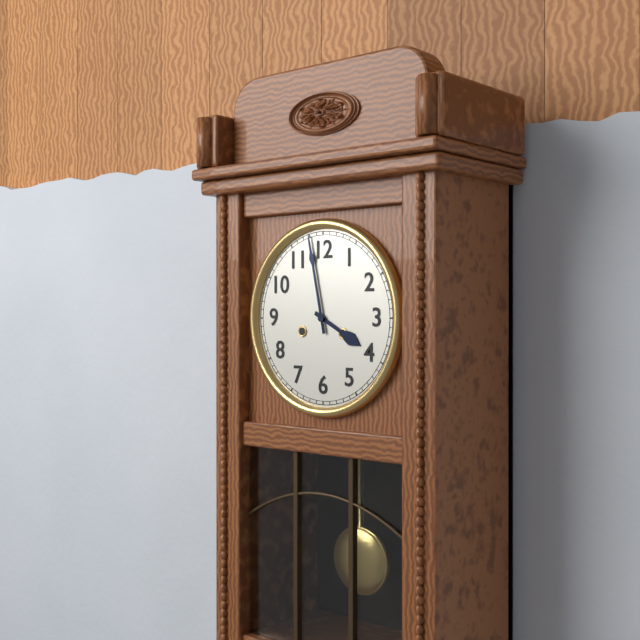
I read 3h58
